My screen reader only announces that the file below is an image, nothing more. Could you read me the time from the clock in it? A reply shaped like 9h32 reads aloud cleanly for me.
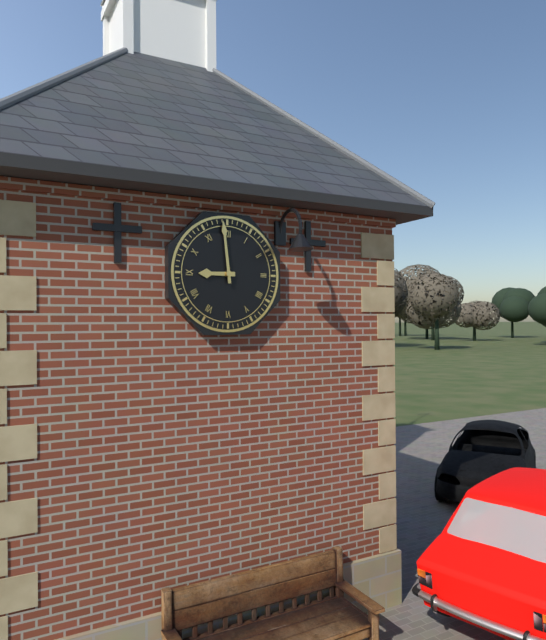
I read 8h59
